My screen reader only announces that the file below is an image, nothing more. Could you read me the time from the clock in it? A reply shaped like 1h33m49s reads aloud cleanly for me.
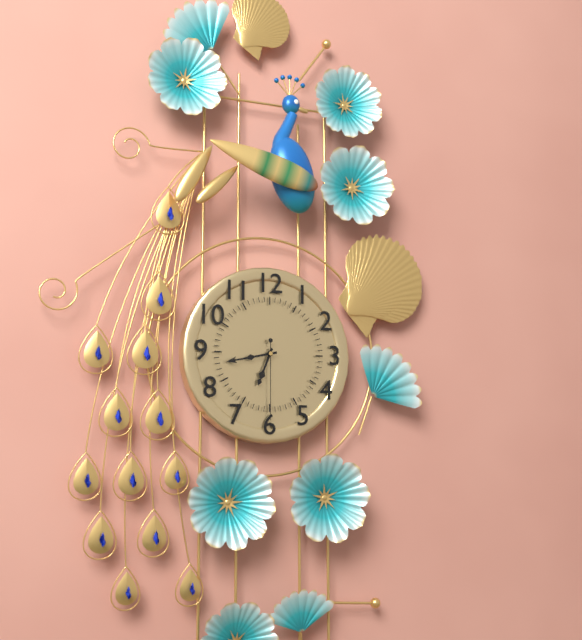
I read 6h43m30s
